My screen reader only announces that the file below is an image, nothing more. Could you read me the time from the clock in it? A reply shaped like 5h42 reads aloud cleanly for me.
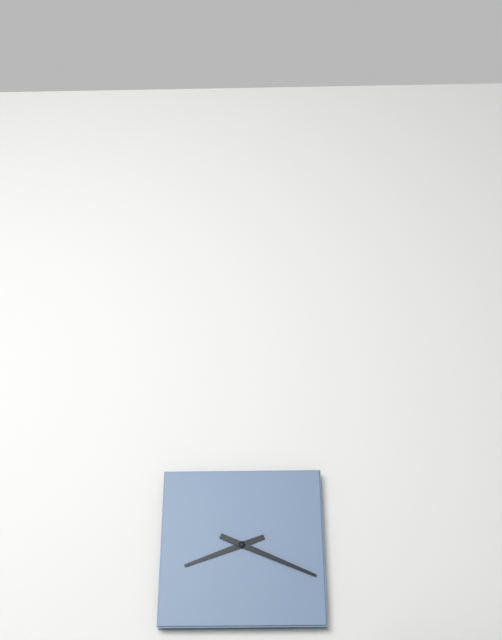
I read 8h19
